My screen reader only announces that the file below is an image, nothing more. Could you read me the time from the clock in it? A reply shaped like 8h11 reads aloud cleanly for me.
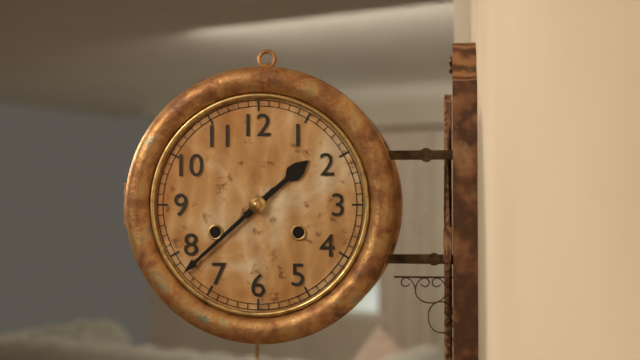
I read 1h38
